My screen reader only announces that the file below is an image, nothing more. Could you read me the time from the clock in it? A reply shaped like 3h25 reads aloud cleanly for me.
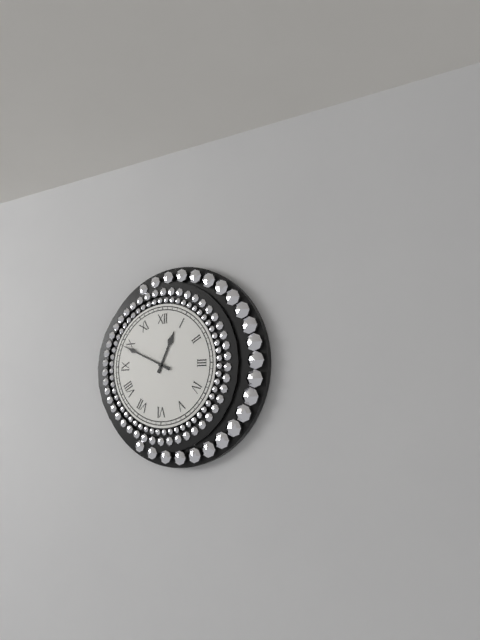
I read 12h49
